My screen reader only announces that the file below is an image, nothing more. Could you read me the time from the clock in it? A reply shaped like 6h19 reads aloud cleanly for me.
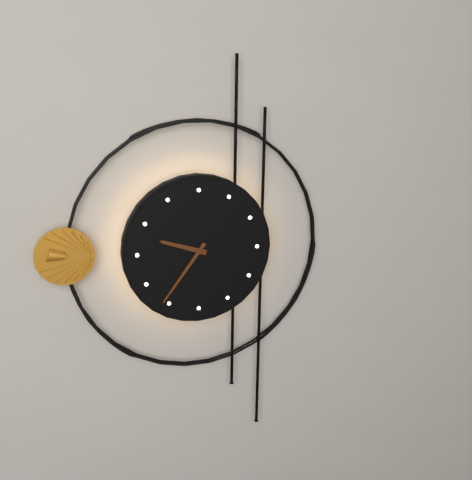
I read 9h36
